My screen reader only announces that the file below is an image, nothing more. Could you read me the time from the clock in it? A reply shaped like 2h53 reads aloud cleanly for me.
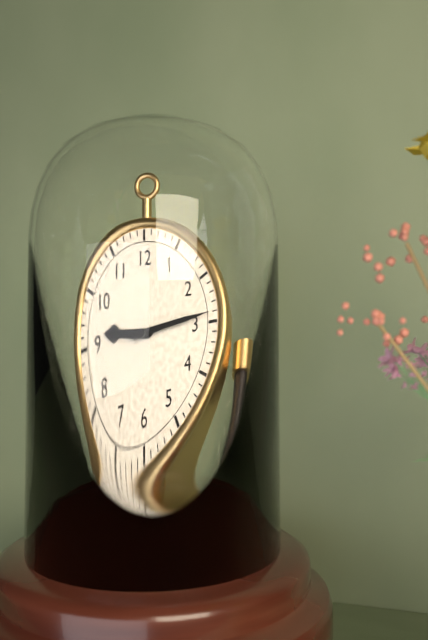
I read 9h14
